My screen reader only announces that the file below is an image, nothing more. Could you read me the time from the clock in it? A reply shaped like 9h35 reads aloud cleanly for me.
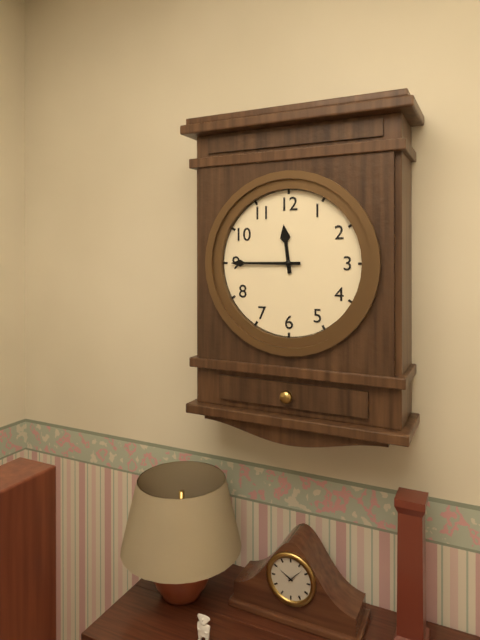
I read 11h45
